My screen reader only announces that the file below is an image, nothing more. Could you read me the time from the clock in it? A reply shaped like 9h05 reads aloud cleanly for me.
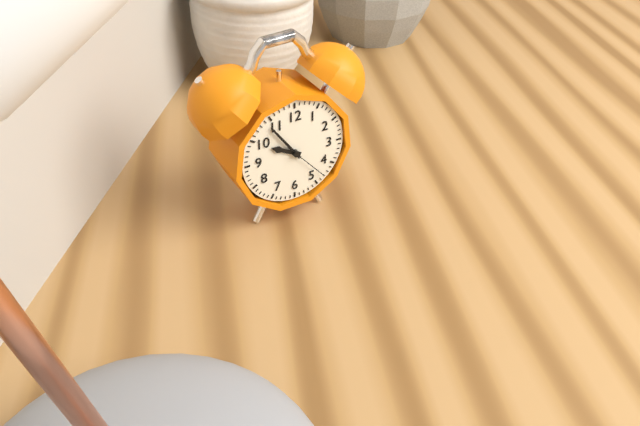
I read 9h54
